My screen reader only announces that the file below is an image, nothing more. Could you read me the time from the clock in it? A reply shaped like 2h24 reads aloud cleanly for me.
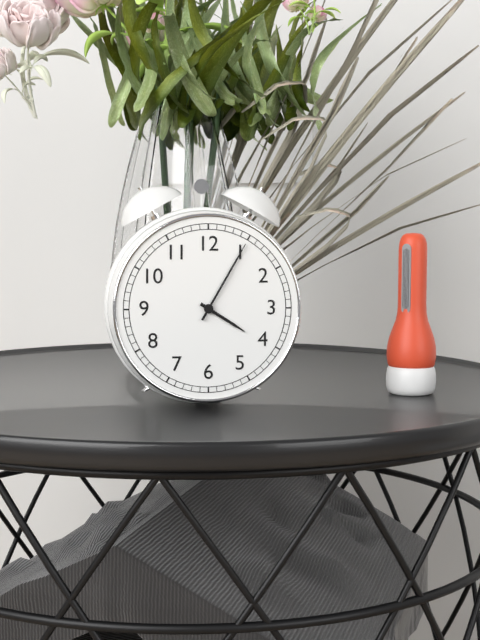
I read 4h05
